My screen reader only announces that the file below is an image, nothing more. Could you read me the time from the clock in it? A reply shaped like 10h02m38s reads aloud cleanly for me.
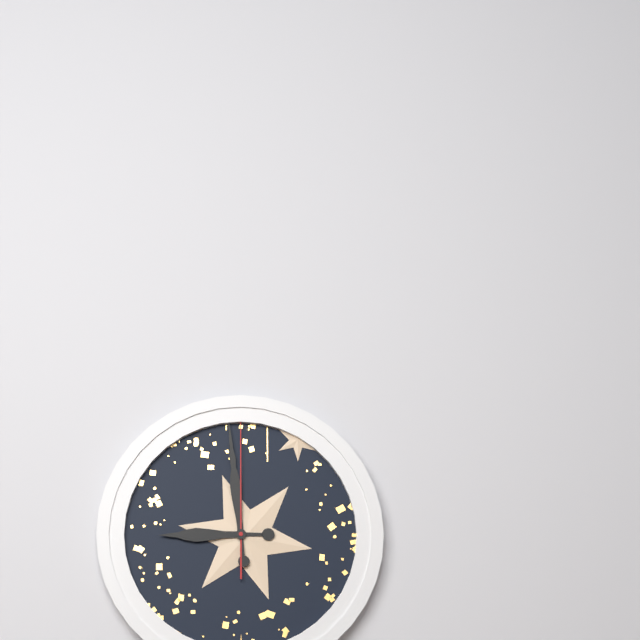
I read 8h59m00s
